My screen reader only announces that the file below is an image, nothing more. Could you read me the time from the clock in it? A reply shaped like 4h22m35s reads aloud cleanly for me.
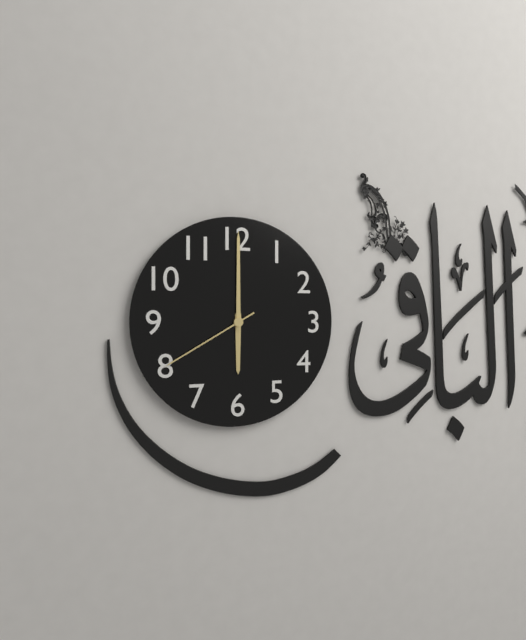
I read 6h00m40s
